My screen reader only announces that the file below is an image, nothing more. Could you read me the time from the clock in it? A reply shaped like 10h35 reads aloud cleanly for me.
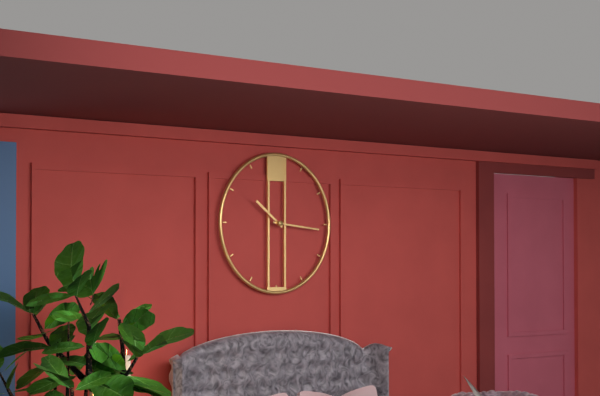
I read 10h16
